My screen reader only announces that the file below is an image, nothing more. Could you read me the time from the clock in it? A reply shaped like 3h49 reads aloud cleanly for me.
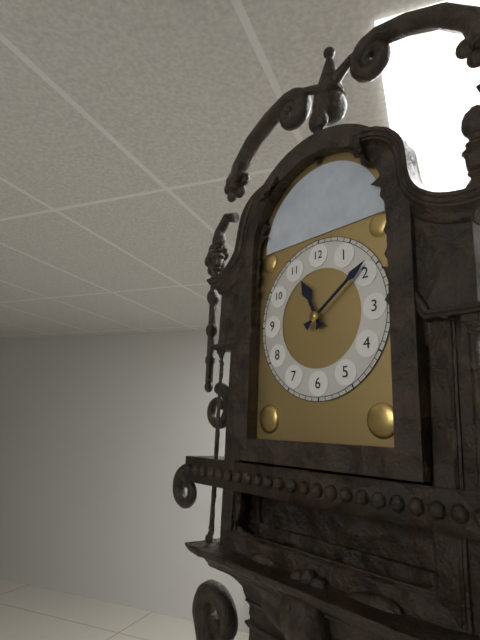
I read 11h09
